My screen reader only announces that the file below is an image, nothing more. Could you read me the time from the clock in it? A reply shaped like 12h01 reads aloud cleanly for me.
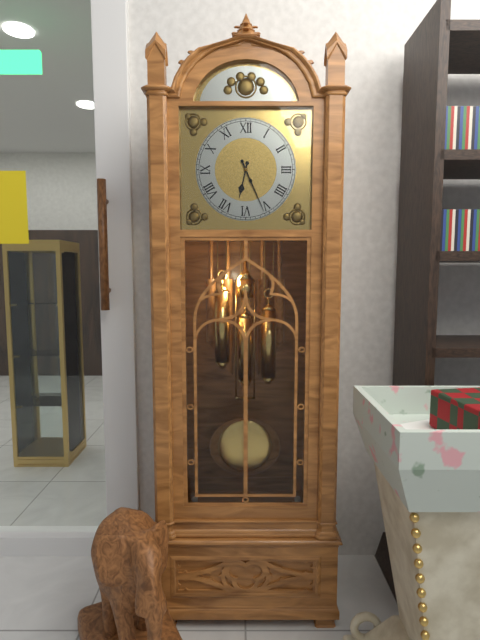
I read 6h26
